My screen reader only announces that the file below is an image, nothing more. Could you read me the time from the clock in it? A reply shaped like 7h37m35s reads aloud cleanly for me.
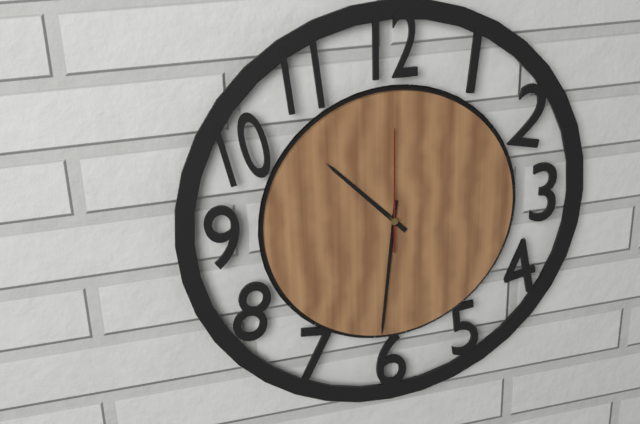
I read 10h31m00s
